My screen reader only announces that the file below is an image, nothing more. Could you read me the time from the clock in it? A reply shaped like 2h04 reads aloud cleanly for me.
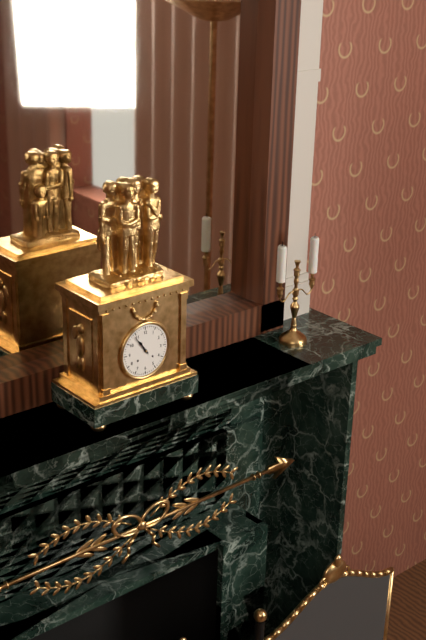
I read 10h54
